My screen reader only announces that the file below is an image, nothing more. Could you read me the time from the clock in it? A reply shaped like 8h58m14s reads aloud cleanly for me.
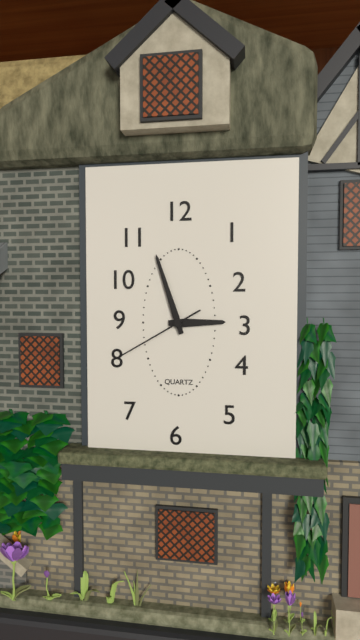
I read 2h57m40s
